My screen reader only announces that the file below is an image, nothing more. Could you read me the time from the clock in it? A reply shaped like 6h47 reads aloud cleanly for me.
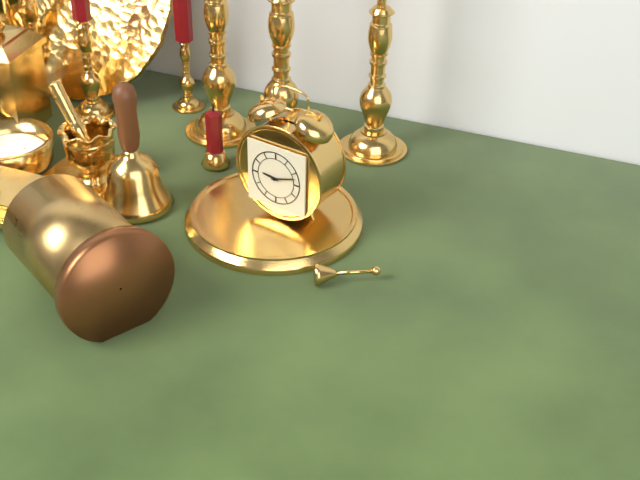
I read 9h12
